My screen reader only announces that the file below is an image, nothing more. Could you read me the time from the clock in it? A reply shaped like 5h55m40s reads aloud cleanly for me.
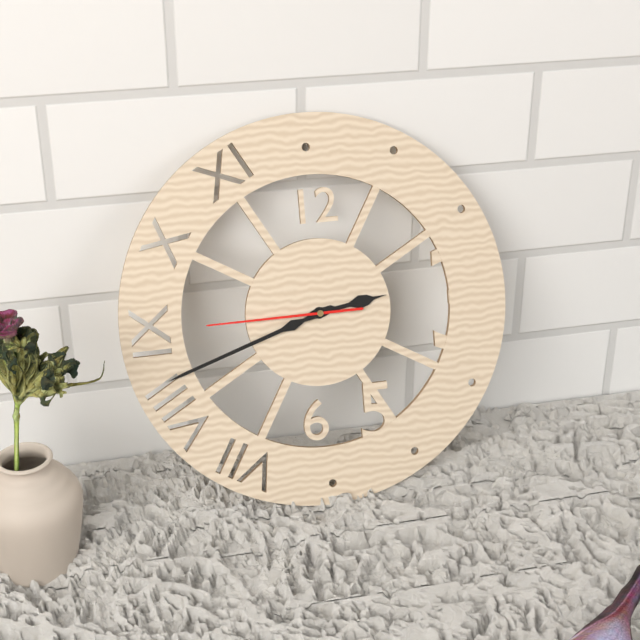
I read 2h42m45s
